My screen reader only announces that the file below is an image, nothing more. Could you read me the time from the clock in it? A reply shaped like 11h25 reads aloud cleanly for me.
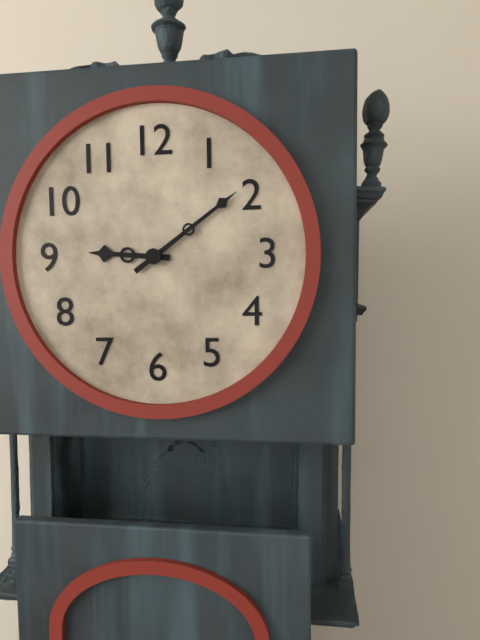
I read 9h09
